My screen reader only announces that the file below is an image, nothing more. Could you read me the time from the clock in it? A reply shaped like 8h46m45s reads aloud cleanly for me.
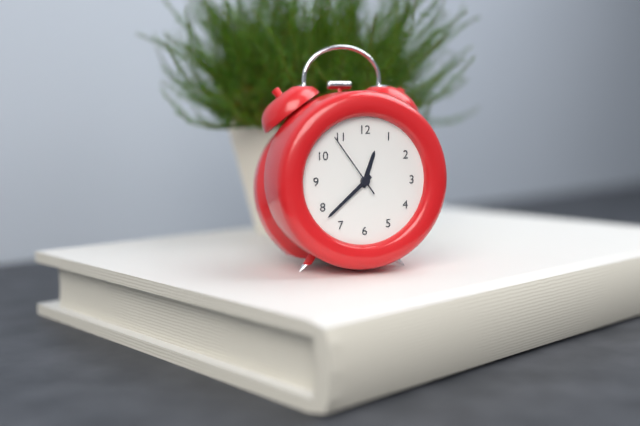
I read 12h38m54s
